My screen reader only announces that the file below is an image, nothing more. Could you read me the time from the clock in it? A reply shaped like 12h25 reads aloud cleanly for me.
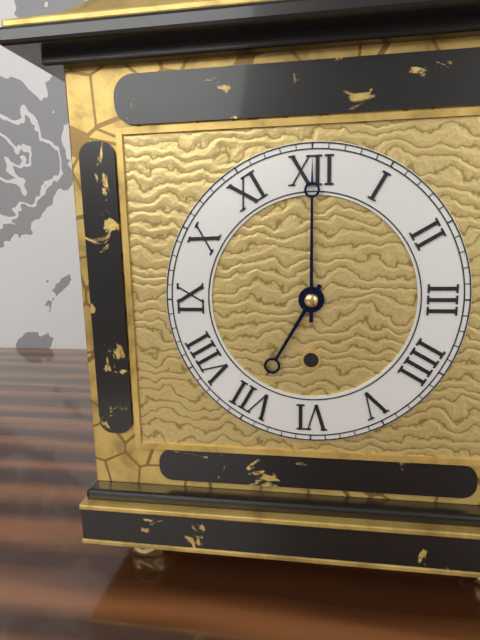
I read 7h00
